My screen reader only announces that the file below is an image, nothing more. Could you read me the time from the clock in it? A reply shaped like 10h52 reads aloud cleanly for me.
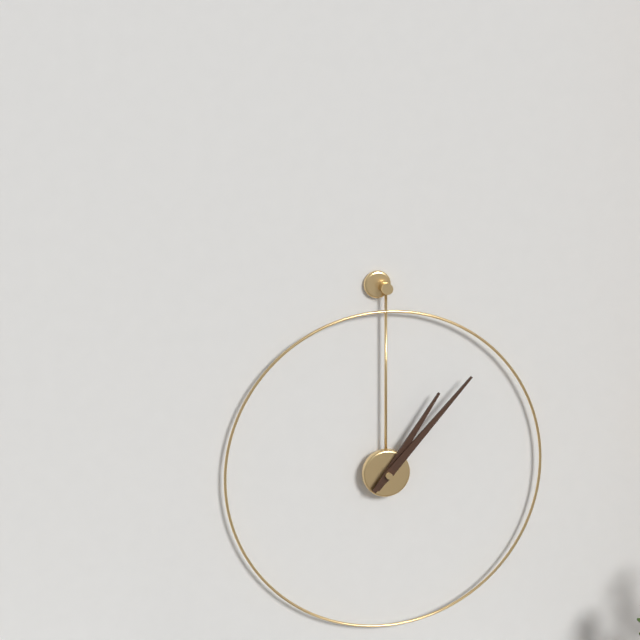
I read 1h07
